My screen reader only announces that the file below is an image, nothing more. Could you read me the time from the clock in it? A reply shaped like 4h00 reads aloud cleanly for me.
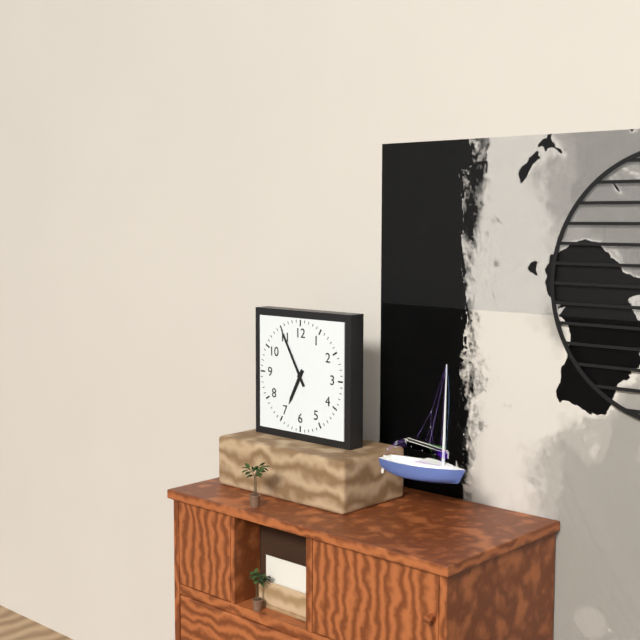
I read 6h55
